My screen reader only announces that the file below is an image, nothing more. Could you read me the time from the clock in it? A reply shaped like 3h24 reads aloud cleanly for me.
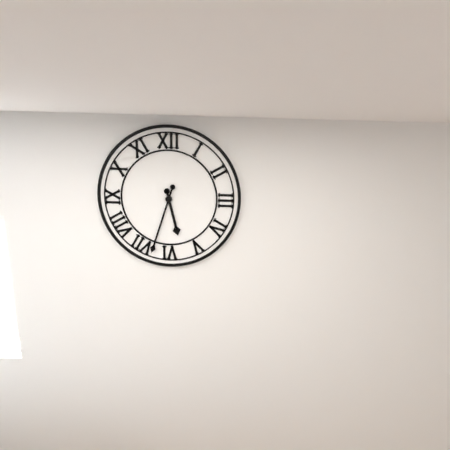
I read 5h33
